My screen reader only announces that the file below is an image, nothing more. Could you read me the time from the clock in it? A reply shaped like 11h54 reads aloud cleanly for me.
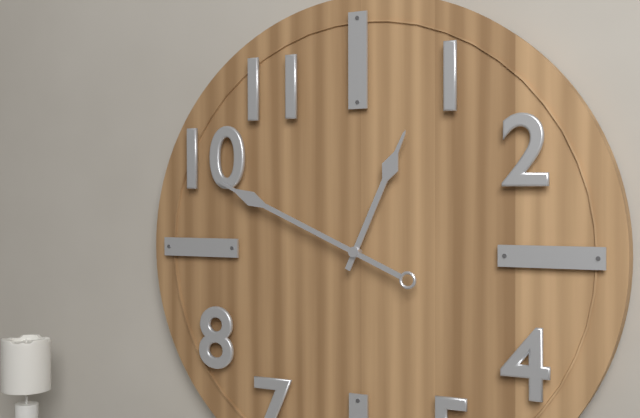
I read 12h49
